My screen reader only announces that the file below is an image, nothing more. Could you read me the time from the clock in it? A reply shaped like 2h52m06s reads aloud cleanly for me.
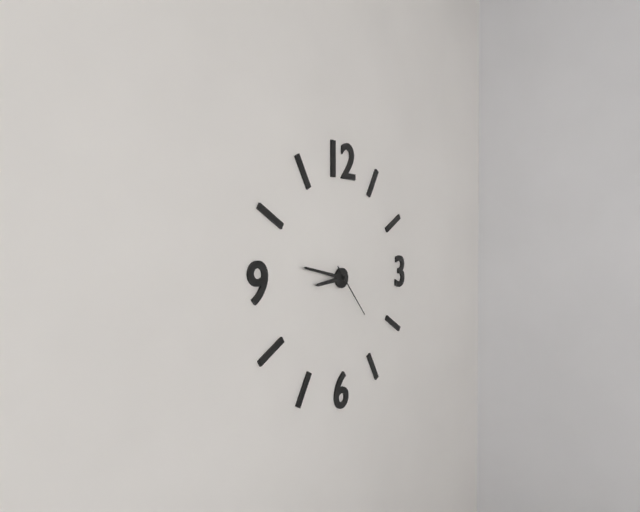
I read 8h47m23s
